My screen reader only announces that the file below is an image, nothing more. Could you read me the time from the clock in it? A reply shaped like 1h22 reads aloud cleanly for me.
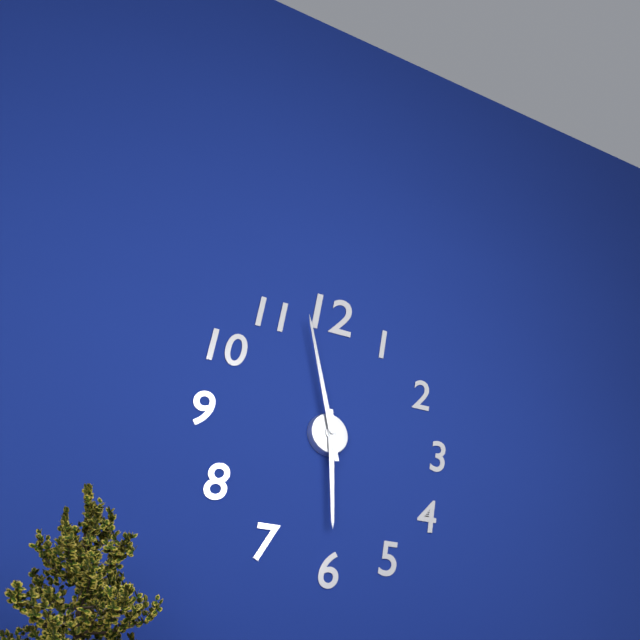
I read 5h58
